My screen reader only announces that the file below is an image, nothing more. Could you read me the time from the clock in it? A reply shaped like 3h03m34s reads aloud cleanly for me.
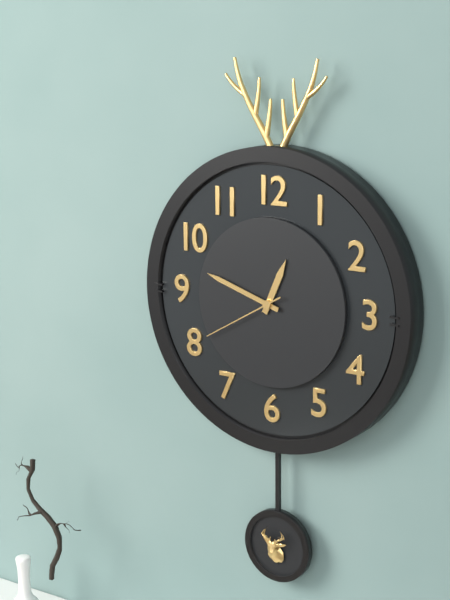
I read 12h48m40s
